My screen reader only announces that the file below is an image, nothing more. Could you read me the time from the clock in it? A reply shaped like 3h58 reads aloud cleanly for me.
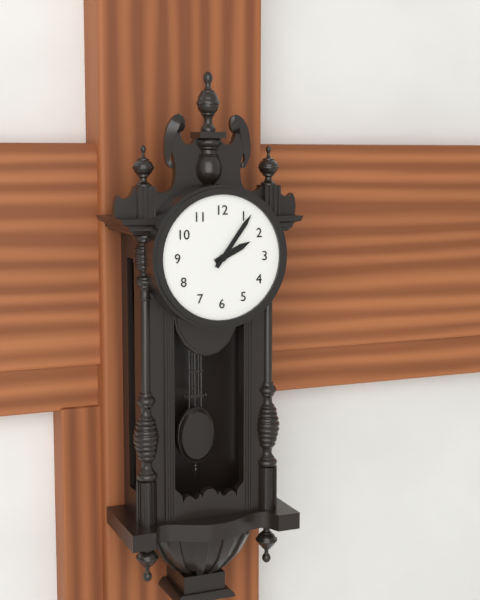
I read 2h06
